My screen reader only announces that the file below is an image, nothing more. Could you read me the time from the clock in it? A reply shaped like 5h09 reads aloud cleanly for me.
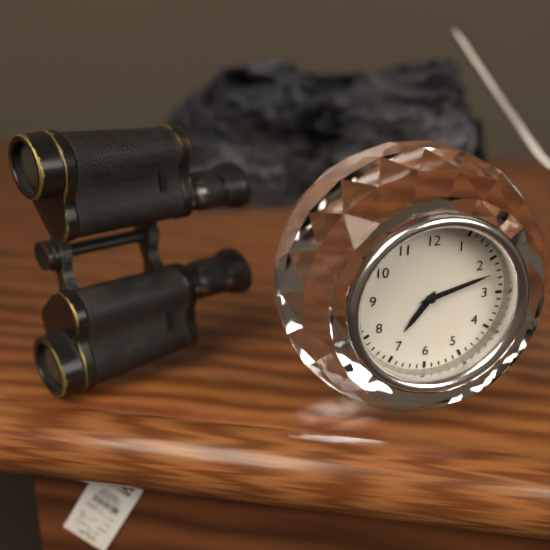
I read 7h12
